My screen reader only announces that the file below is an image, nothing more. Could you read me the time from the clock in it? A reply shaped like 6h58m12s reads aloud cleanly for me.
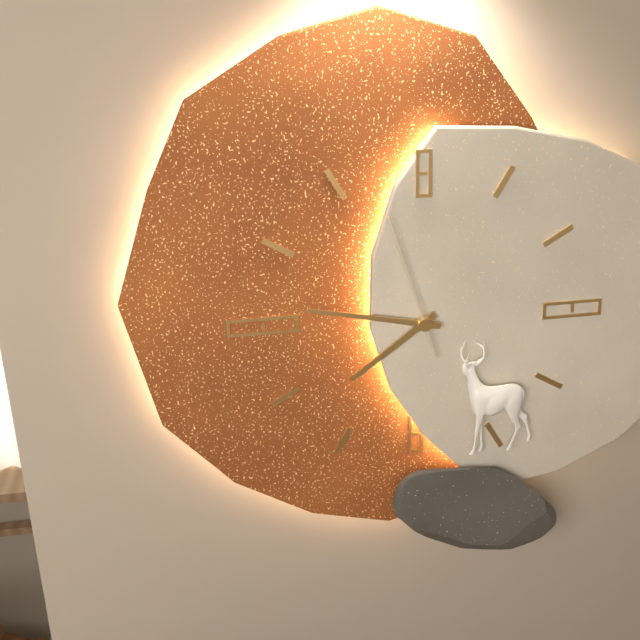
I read 7h47m57s
